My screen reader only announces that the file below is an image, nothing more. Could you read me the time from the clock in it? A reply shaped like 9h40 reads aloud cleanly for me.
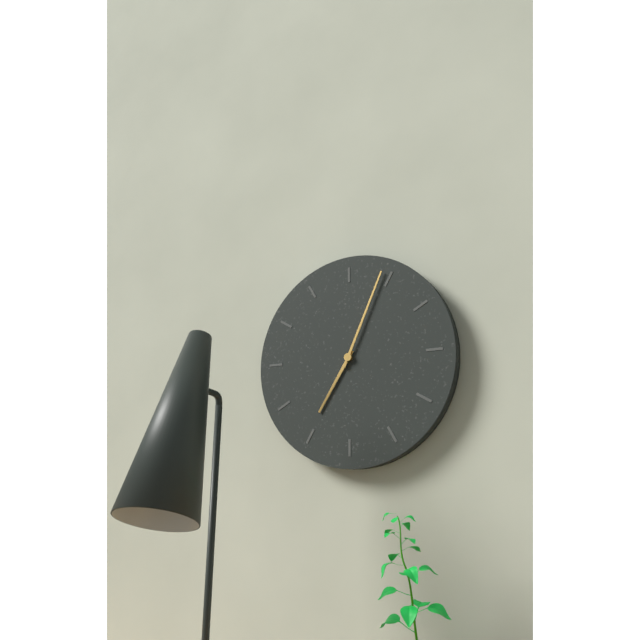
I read 7h04
